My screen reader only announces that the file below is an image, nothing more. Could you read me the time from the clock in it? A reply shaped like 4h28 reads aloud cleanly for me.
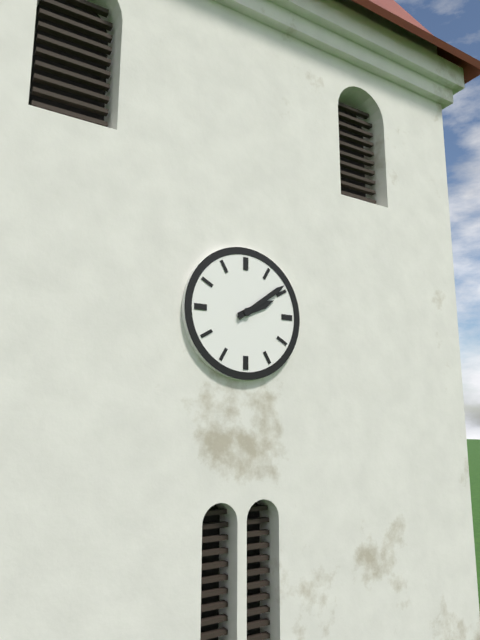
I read 2h09
